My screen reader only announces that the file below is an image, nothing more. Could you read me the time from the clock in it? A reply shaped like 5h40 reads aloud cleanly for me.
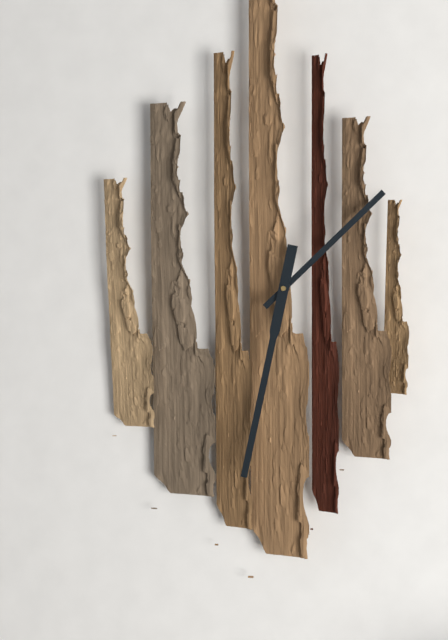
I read 1h32
